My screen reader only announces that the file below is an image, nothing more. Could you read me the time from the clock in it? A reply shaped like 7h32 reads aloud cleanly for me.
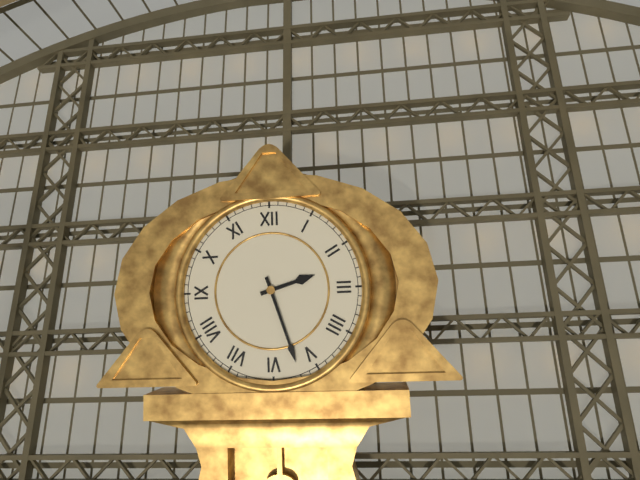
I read 2h27
